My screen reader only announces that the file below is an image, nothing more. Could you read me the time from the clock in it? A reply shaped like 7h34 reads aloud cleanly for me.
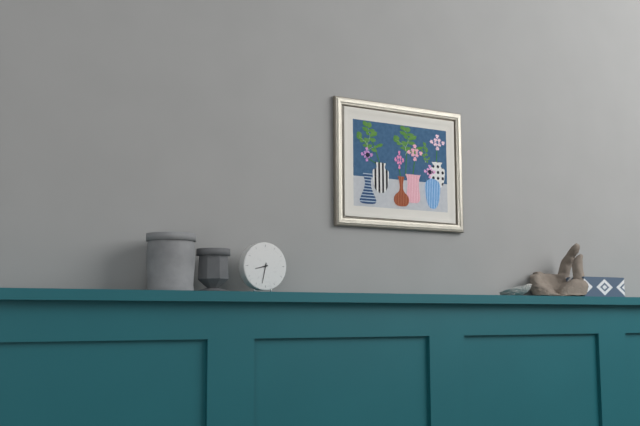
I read 8h32
